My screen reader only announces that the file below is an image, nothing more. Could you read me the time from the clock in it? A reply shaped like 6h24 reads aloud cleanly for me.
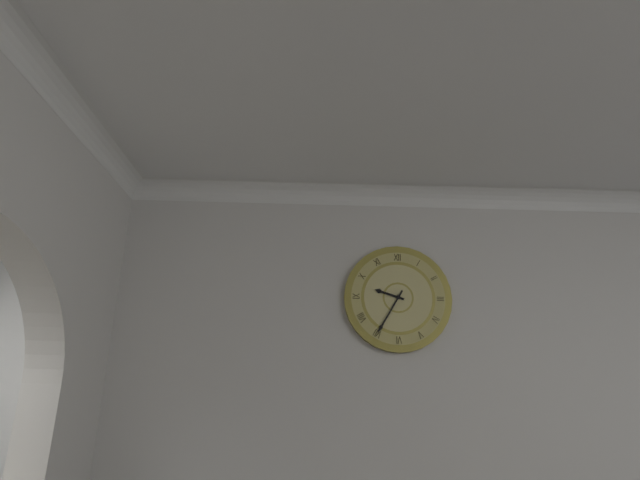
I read 9h35
